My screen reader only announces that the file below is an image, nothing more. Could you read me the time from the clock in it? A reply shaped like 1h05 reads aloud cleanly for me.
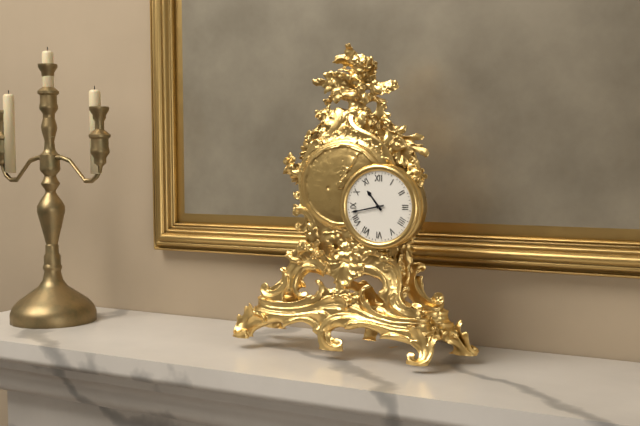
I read 10h43
